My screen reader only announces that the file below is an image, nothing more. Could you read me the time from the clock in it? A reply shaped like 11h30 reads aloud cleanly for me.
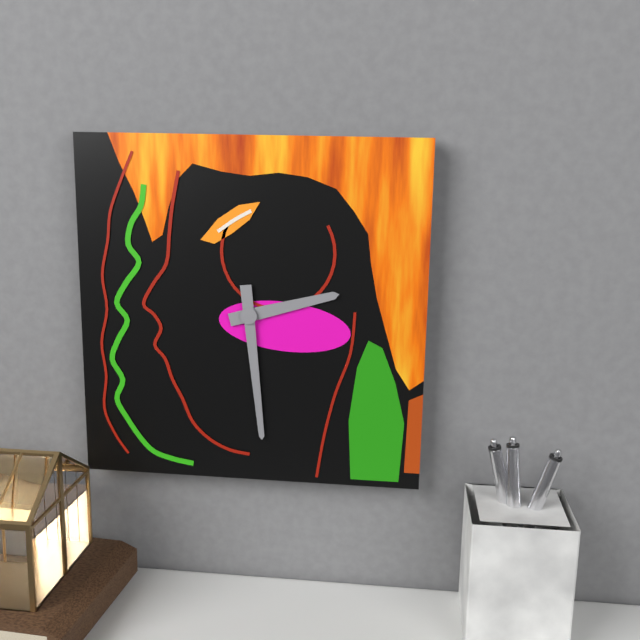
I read 2h29
